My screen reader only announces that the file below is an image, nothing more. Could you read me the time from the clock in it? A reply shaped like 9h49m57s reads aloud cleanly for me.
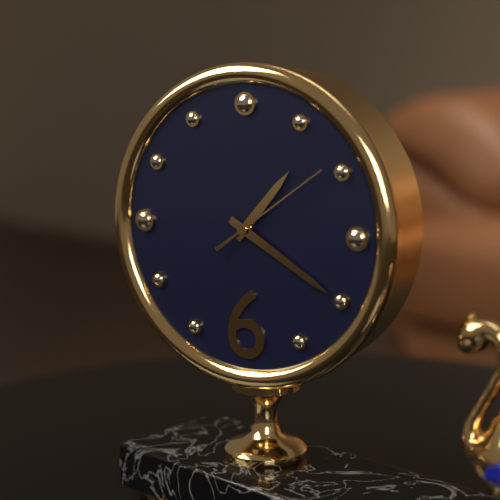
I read 1h20m09s
